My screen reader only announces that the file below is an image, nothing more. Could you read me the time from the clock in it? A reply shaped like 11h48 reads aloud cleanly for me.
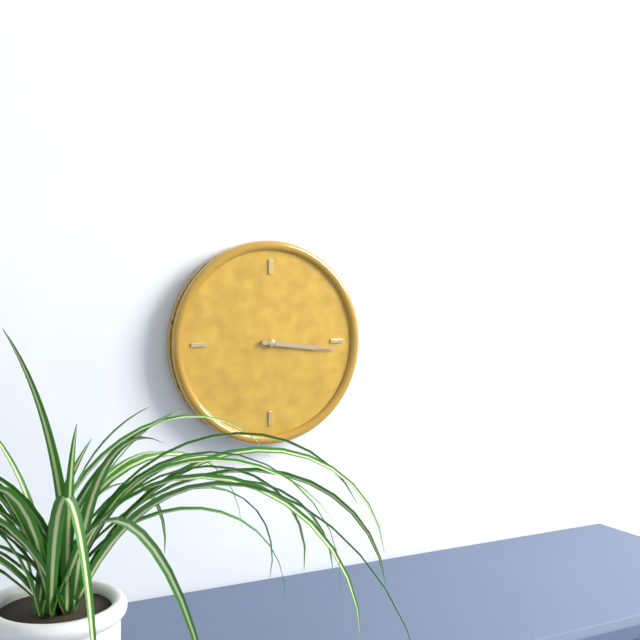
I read 3h16
